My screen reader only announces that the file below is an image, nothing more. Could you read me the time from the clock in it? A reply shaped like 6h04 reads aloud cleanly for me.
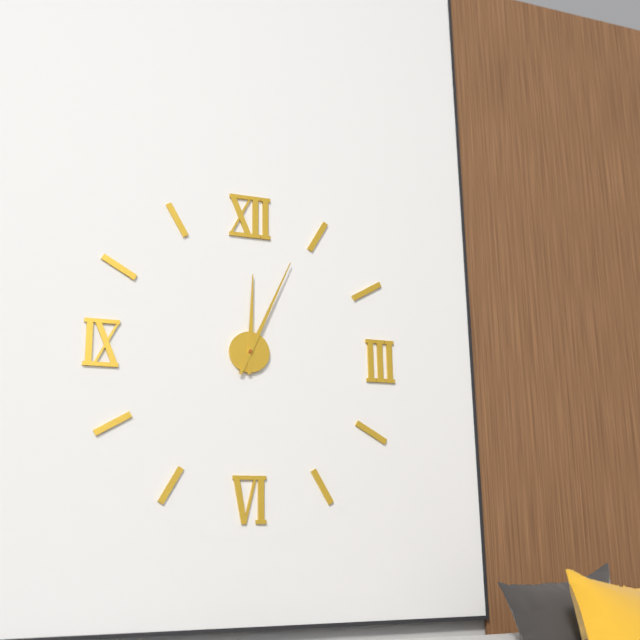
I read 12h04
